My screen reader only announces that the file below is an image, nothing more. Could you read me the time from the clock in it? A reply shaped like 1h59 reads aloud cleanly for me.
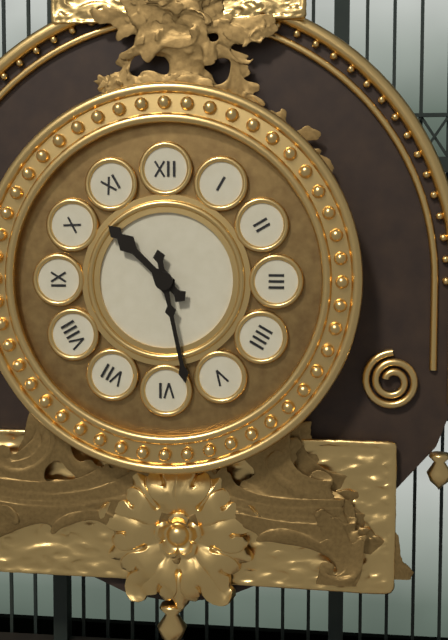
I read 10h28
